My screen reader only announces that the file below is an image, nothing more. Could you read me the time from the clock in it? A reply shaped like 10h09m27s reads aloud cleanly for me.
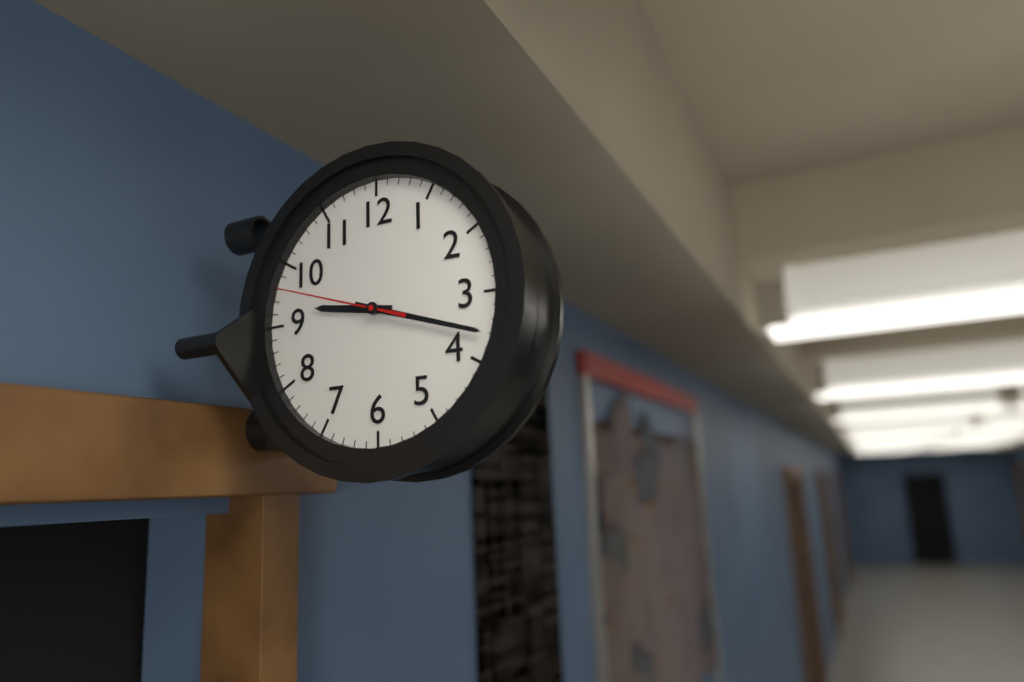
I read 9h18m48s
